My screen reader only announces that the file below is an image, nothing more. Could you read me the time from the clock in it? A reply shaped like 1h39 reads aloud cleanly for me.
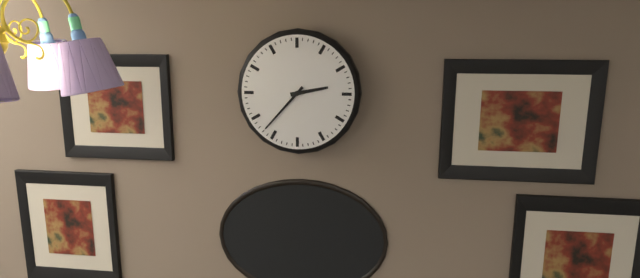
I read 2h37
